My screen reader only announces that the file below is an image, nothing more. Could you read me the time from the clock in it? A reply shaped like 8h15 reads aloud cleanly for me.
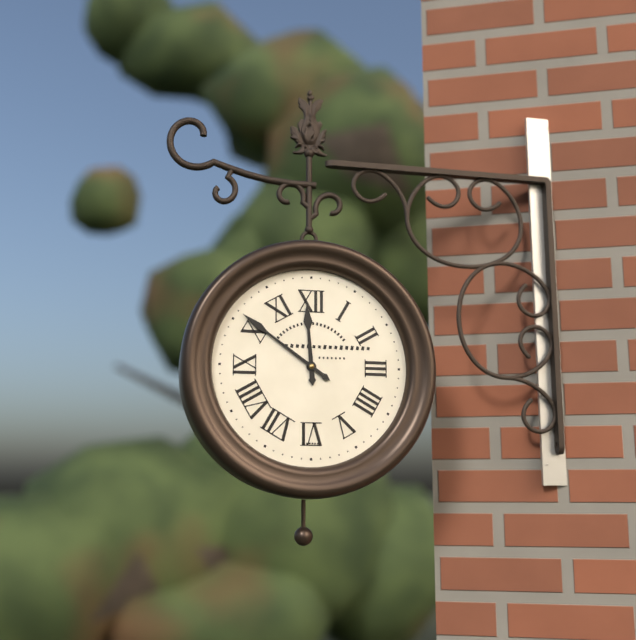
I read 11h51
